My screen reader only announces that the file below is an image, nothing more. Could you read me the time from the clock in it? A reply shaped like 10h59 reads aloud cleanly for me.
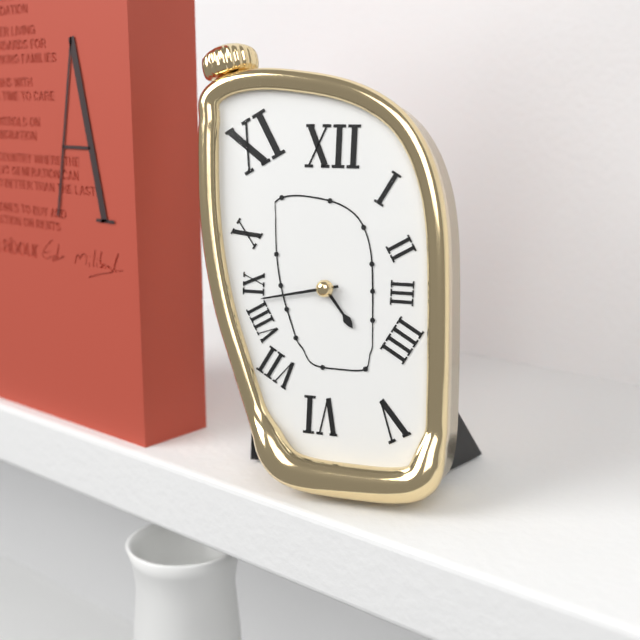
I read 4h43
